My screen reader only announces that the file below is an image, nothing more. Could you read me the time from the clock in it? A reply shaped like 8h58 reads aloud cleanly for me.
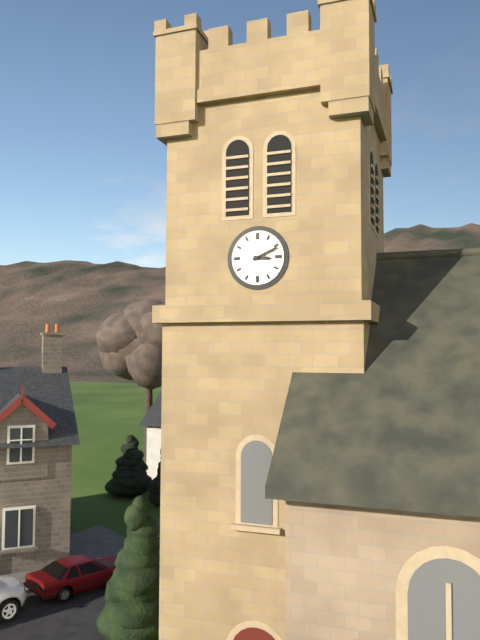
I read 3h11
